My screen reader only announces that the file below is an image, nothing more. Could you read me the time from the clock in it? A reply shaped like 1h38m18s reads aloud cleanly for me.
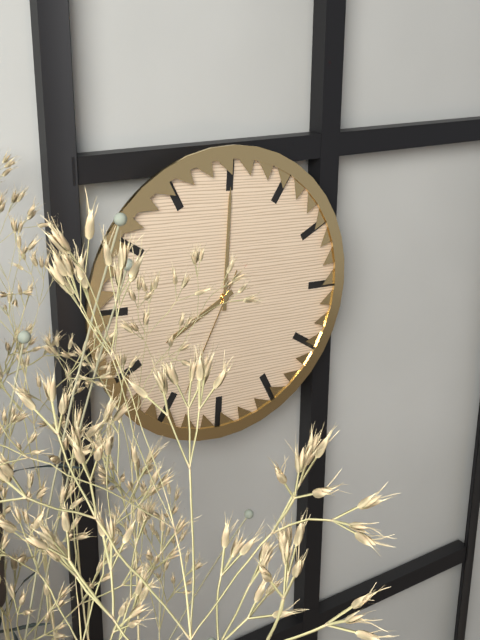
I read 8h00m34s
